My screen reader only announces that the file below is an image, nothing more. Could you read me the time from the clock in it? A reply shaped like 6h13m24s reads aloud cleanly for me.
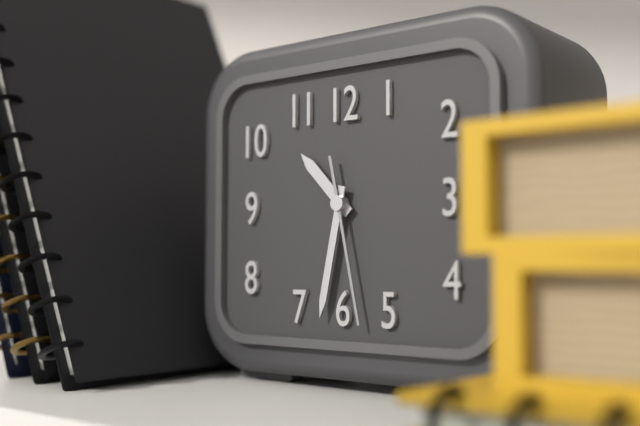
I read 10h32m28s
